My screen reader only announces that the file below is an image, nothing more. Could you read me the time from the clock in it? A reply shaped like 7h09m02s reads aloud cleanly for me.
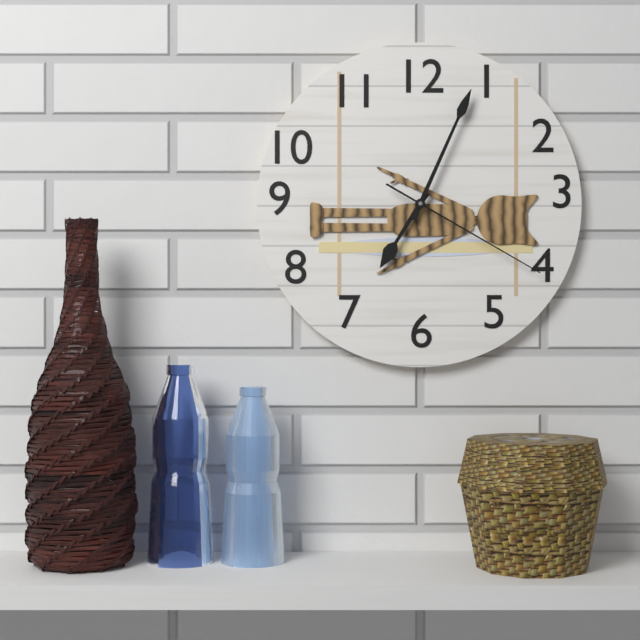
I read 7h04m20s
